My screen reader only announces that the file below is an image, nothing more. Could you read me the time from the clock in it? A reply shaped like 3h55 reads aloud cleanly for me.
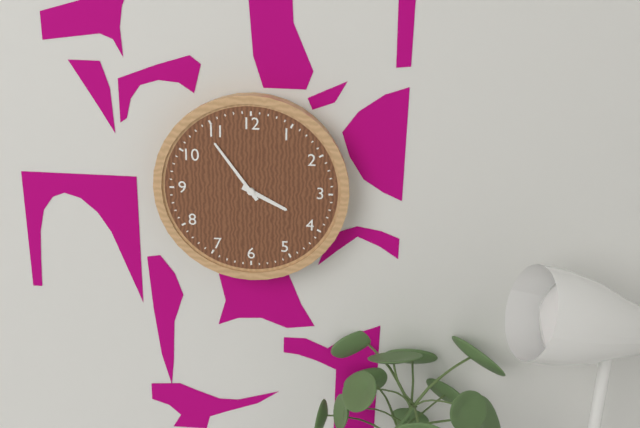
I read 3h54
